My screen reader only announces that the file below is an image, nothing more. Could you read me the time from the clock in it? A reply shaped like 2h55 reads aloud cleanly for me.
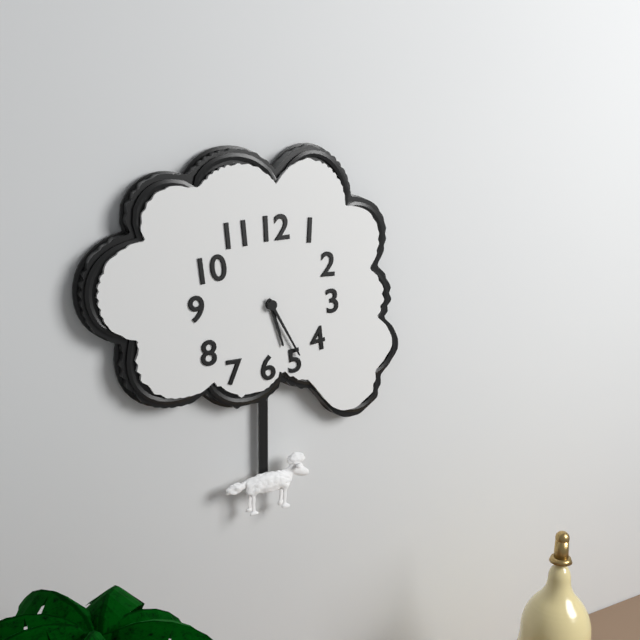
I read 5h25
